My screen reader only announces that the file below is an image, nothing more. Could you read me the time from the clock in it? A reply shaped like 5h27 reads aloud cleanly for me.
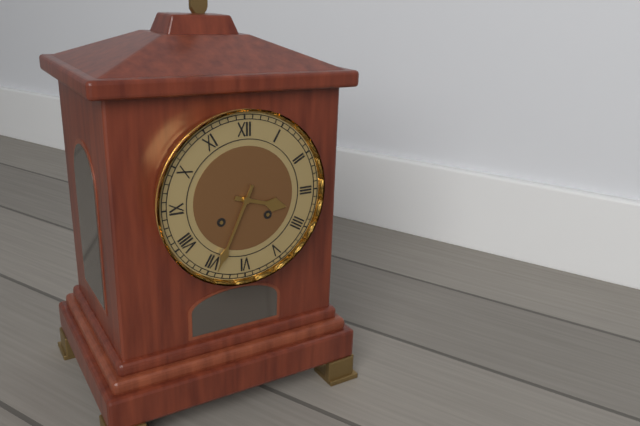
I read 3h34
